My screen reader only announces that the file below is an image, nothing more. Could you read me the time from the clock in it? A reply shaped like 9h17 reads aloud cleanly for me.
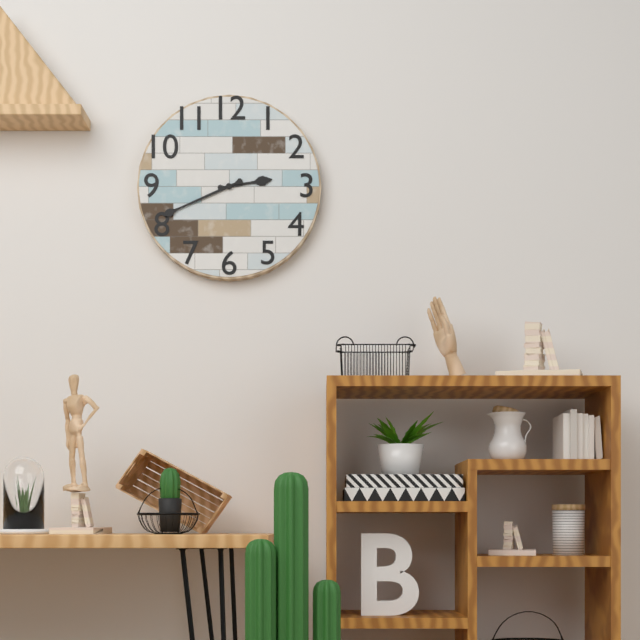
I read 2h41
